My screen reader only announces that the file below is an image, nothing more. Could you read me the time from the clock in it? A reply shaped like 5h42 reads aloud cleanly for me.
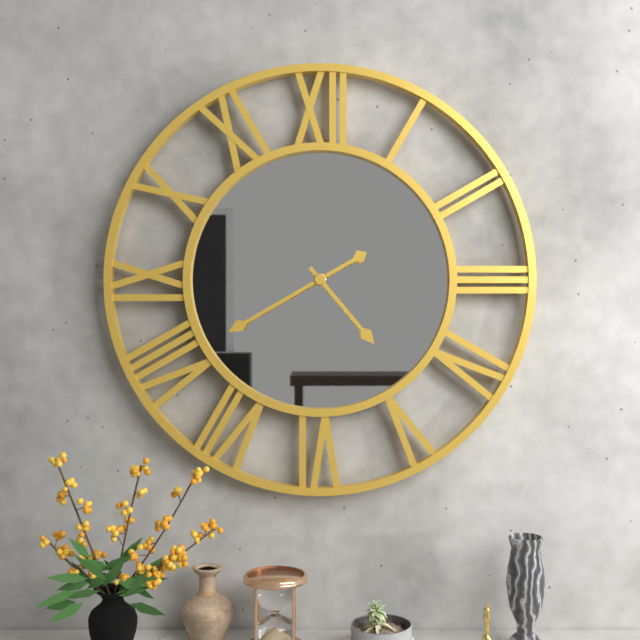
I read 4h40
